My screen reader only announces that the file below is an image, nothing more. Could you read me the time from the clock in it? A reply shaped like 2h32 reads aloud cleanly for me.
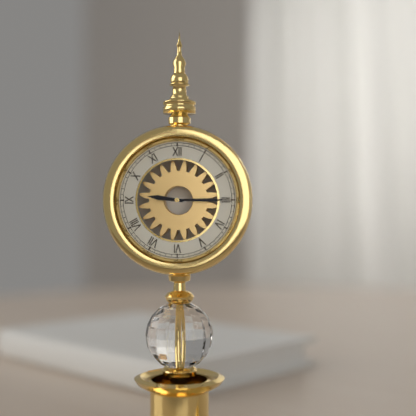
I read 9h15
